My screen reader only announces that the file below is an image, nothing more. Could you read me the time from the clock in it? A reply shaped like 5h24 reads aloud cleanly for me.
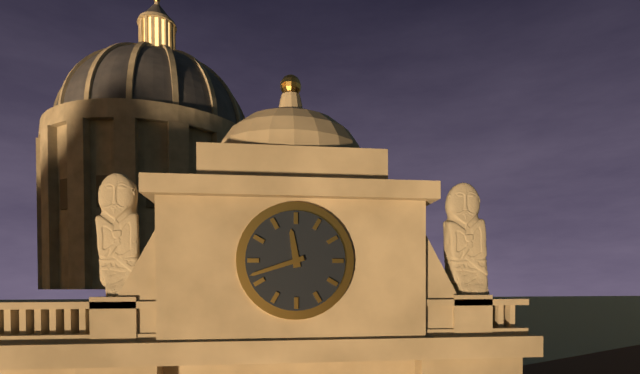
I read 11h42
